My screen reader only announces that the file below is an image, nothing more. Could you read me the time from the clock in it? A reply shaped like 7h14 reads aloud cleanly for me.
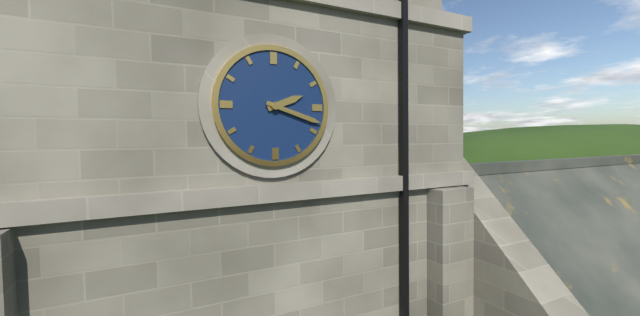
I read 2h18
